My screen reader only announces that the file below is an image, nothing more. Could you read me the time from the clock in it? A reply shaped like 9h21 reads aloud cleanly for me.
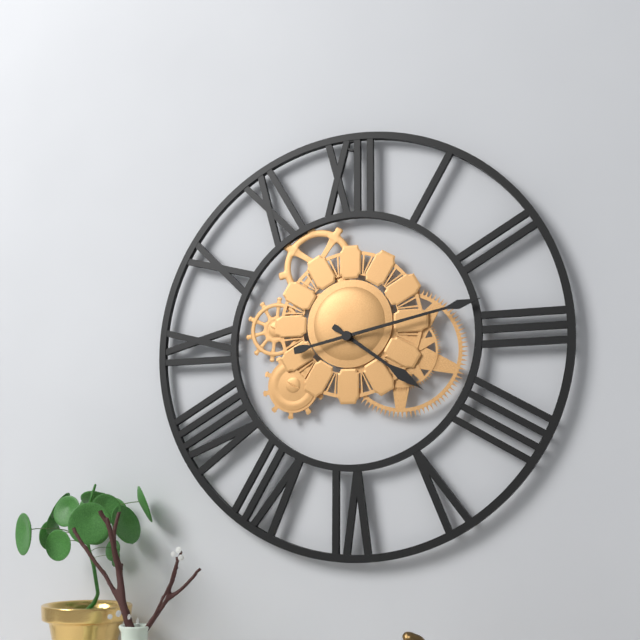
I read 4h13
